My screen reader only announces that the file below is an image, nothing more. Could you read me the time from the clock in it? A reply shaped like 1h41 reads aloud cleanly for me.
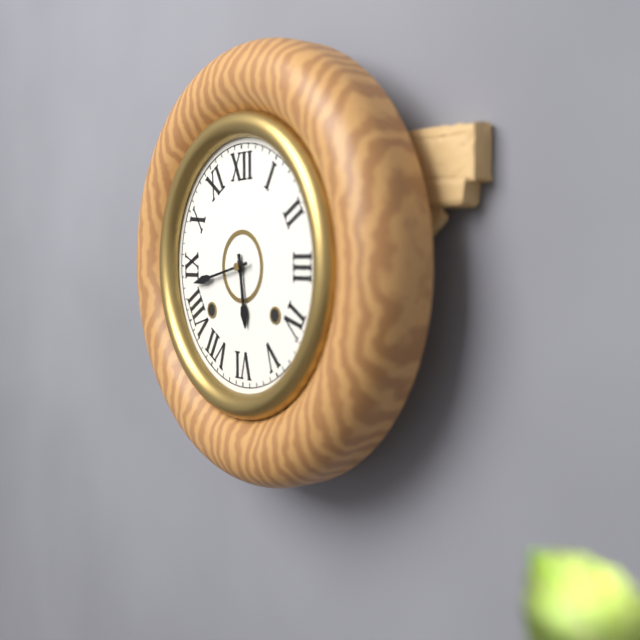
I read 5h43
